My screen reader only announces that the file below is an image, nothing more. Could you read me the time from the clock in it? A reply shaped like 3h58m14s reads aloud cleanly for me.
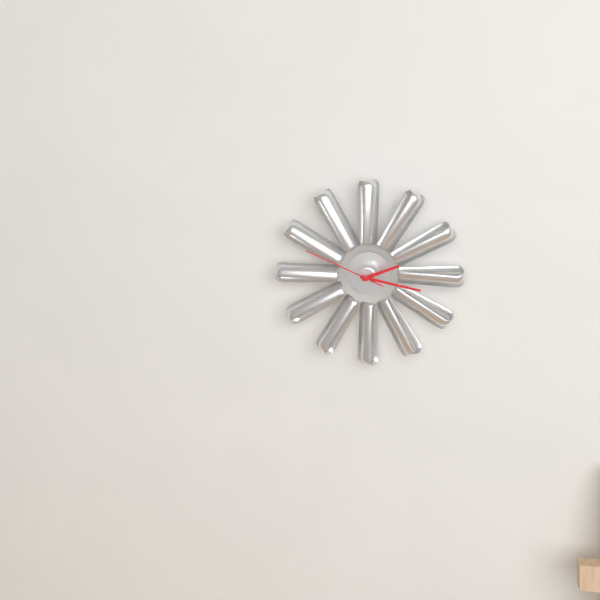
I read 2h17m49s
